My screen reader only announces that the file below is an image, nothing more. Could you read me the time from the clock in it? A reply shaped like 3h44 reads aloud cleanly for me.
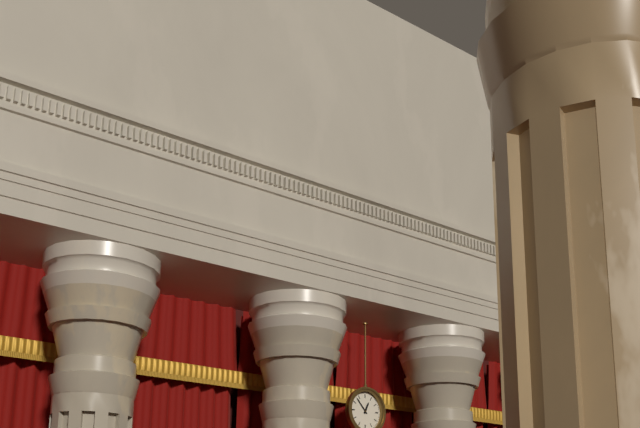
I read 12h53
